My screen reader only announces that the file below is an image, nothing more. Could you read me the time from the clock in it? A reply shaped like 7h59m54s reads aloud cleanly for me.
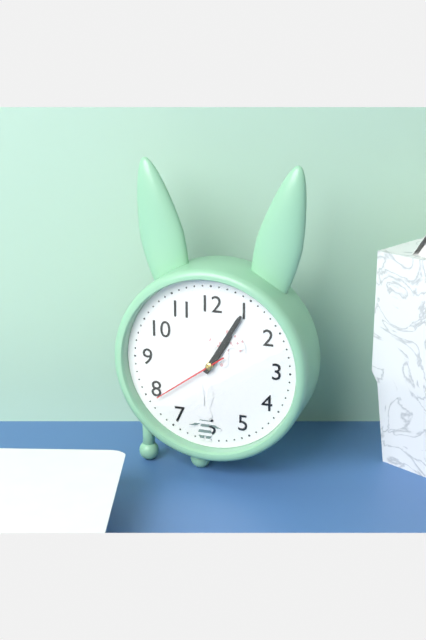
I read 1h05m39s
